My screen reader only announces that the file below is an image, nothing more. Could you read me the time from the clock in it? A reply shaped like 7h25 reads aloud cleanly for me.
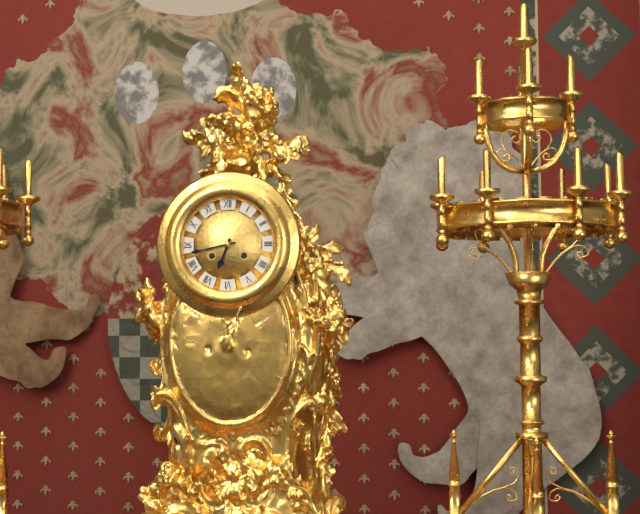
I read 6h43
